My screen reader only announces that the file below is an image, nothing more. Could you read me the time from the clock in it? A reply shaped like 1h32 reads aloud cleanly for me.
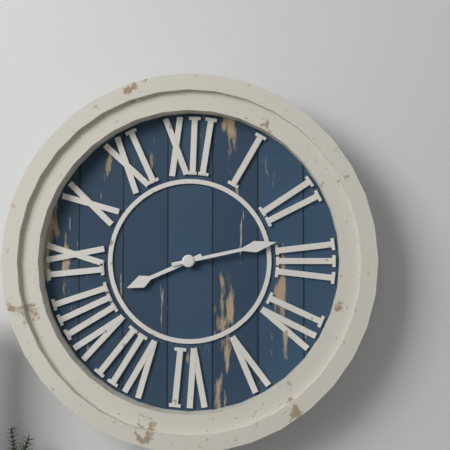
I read 8h13
